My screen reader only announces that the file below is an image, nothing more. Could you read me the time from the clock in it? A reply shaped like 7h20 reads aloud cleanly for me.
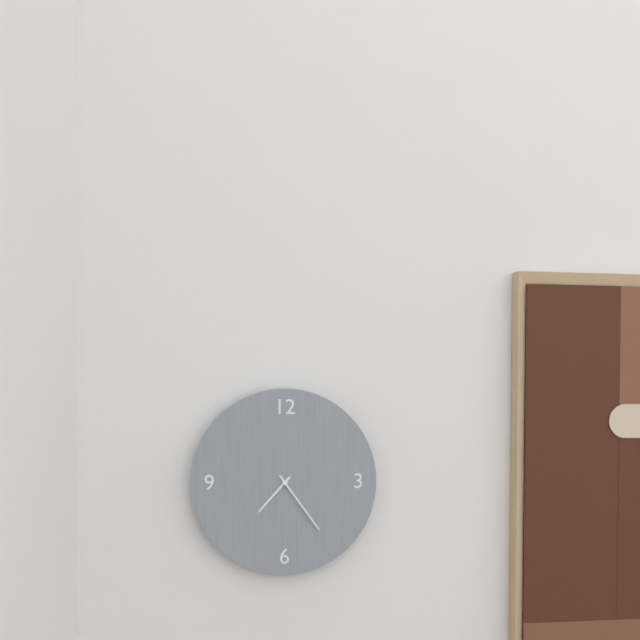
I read 7h24
